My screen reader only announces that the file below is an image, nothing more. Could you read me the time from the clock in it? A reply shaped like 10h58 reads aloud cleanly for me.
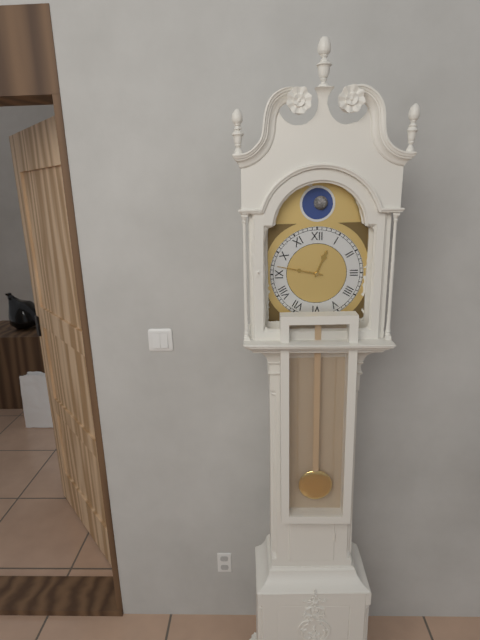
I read 12h47
